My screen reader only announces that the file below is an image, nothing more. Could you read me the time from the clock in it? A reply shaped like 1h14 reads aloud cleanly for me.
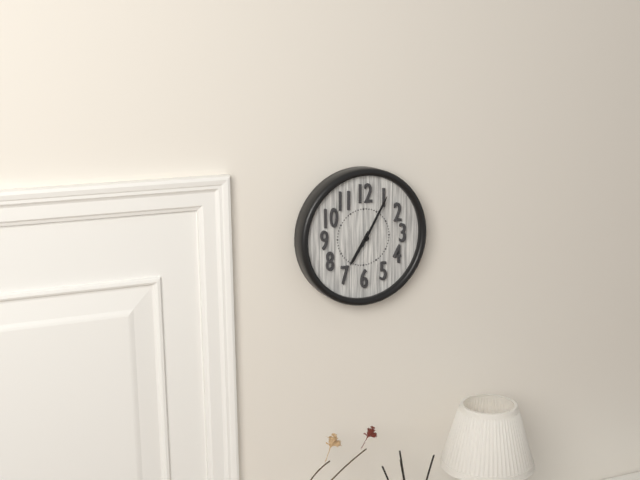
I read 7h05
